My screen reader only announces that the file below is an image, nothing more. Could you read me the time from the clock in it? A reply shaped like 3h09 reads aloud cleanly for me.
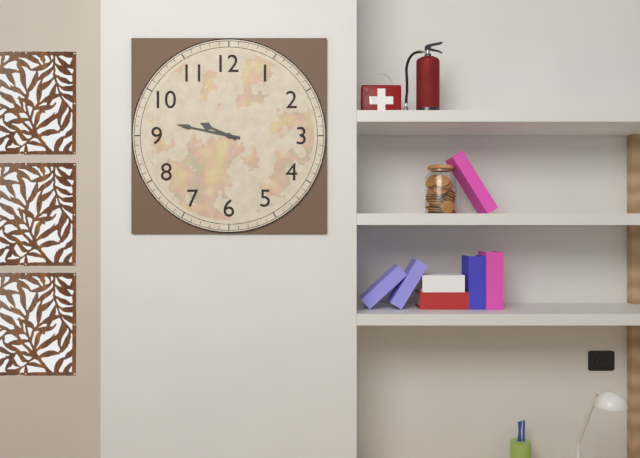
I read 9h47
